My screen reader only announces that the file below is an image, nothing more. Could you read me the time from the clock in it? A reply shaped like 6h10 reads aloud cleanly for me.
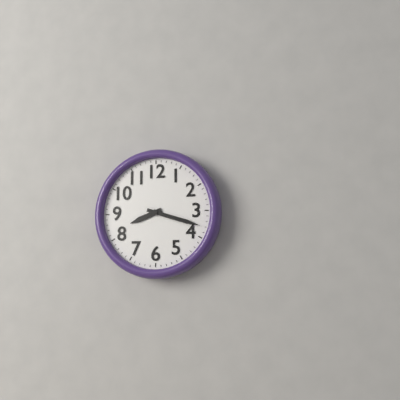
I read 8h18
